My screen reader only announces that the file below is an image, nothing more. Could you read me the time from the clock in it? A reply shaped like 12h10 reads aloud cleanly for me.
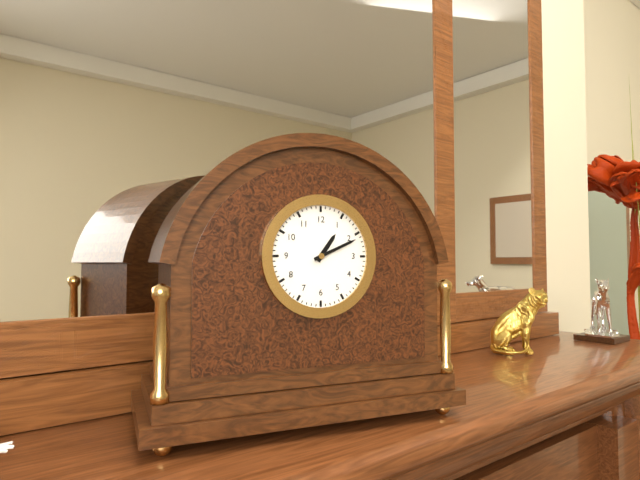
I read 1h11
